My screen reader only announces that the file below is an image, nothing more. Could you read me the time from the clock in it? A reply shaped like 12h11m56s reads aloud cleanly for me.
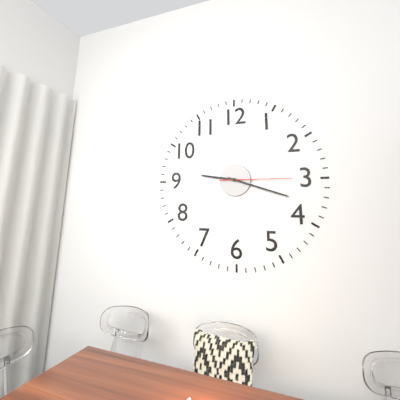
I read 9h18m15s
